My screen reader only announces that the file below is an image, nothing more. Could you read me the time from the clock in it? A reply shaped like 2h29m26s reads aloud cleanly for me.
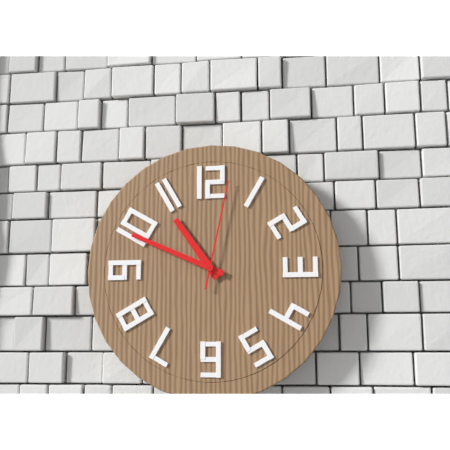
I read 10h49m02s
